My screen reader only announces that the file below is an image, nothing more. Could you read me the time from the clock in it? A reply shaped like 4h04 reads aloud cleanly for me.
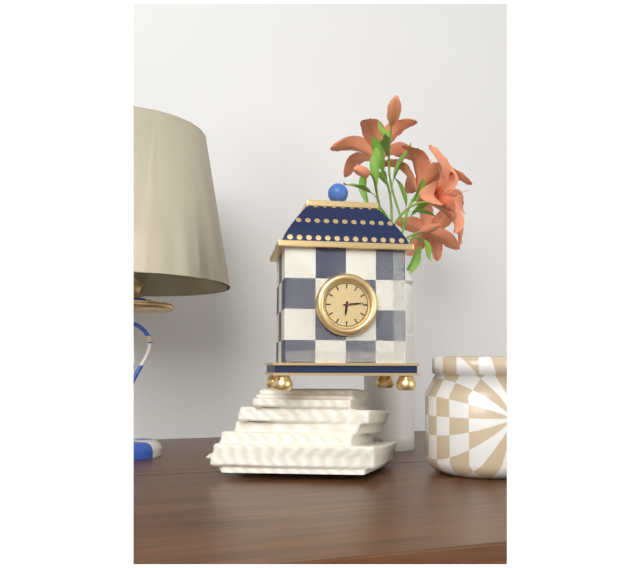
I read 6h14
